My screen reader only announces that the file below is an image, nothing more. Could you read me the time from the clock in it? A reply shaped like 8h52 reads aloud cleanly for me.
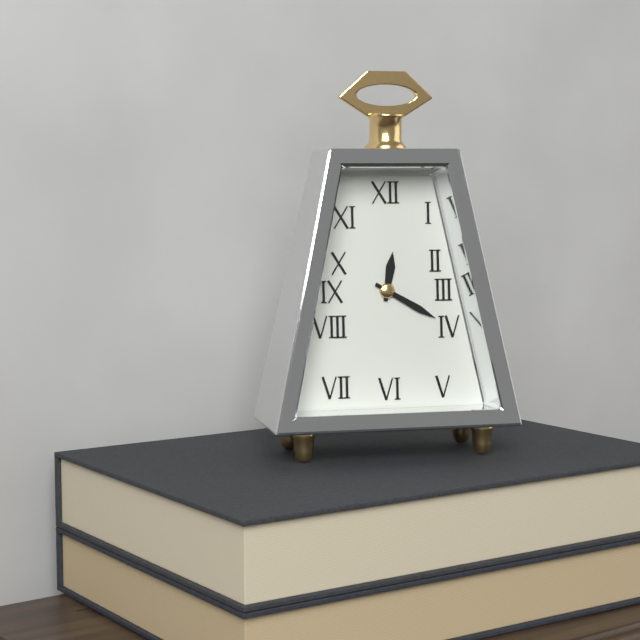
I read 12h20
